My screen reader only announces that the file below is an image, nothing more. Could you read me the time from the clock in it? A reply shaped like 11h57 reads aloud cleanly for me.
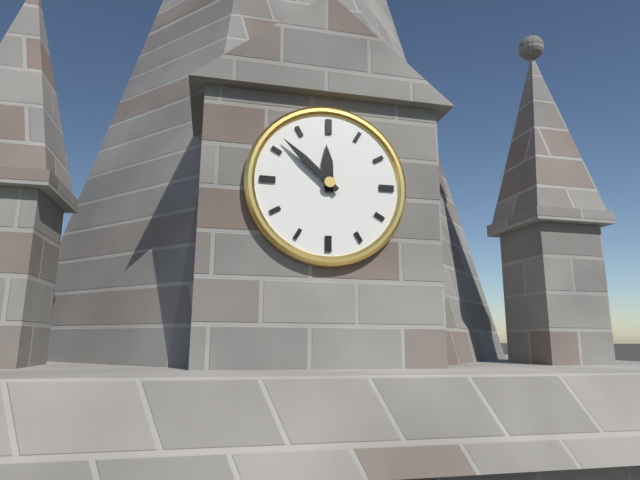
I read 11h52
